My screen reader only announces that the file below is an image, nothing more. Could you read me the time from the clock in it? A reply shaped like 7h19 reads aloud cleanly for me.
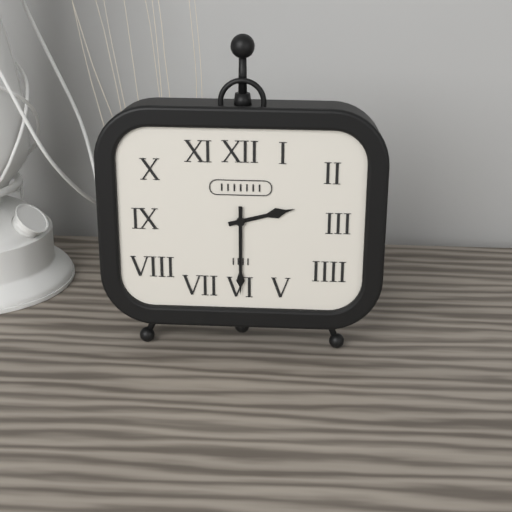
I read 2h30
